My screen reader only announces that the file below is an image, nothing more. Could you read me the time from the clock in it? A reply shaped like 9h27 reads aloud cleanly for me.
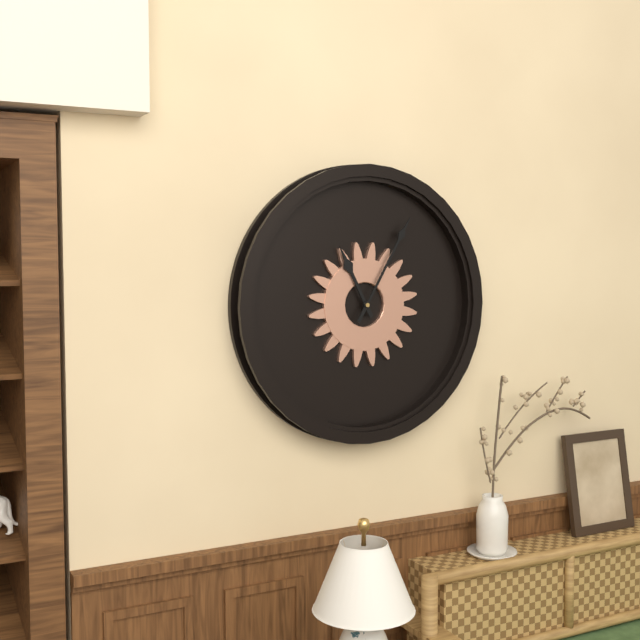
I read 11h05
